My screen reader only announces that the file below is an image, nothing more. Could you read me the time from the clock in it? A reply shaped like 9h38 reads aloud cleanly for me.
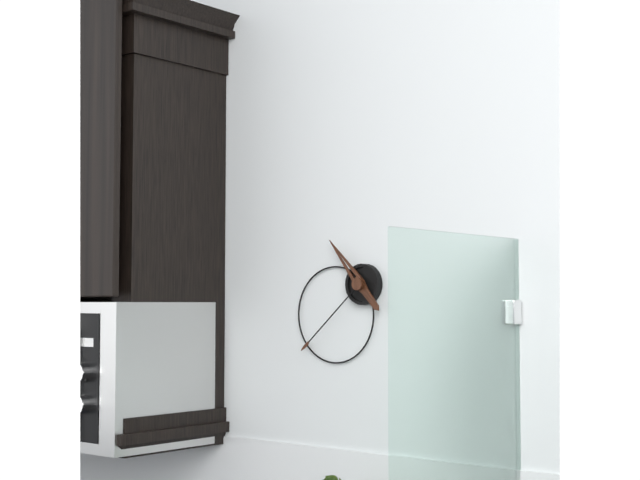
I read 10h38
